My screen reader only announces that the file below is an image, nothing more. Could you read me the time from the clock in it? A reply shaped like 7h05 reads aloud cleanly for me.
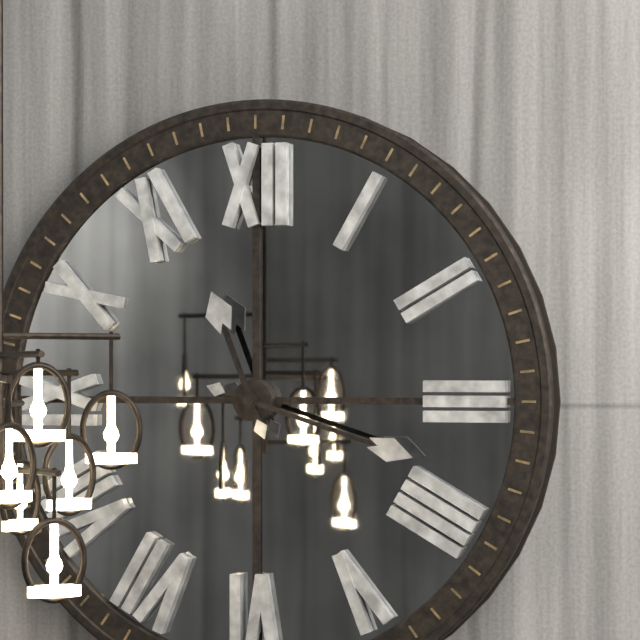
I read 11h18
